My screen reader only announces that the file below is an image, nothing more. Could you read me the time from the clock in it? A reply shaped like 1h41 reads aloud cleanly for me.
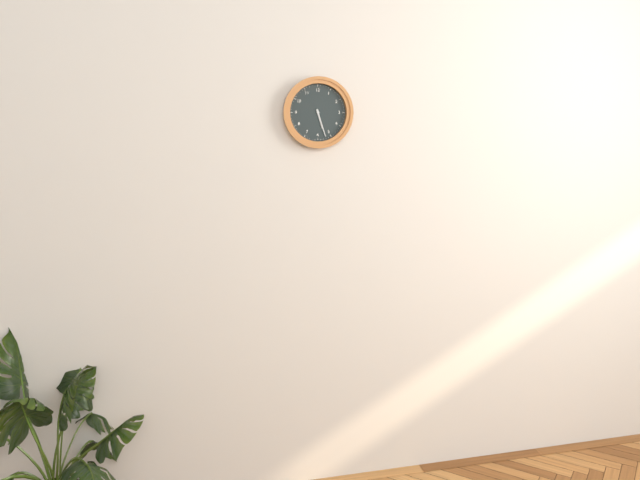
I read 5h27
